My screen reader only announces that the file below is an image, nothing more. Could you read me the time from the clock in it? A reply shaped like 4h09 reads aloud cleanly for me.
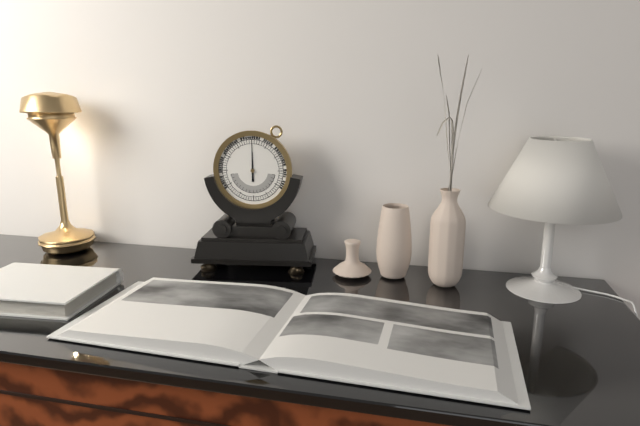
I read 12h00
